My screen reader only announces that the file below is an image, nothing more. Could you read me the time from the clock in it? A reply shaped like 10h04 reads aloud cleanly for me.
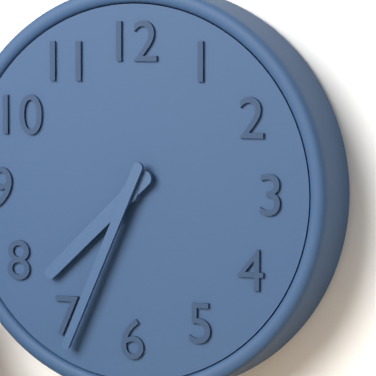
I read 7h34
